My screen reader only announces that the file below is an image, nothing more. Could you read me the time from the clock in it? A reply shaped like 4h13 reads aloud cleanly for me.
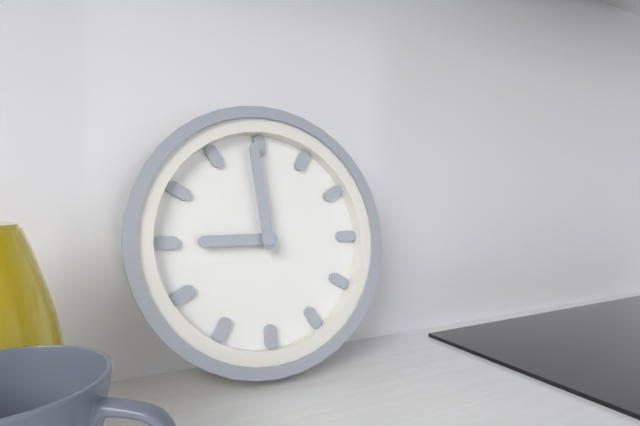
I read 8h59
